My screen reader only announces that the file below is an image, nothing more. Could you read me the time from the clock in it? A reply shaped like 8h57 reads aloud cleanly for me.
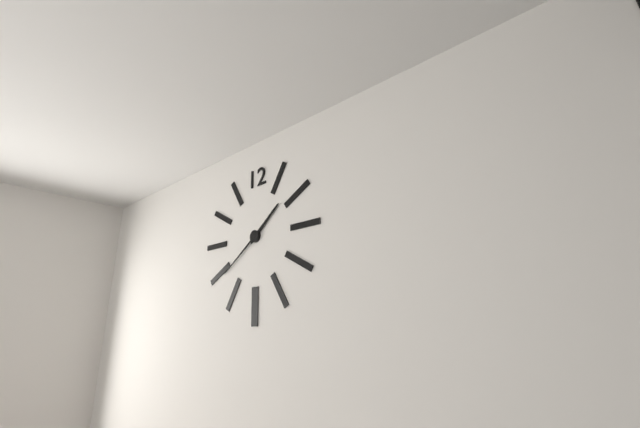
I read 1h39
